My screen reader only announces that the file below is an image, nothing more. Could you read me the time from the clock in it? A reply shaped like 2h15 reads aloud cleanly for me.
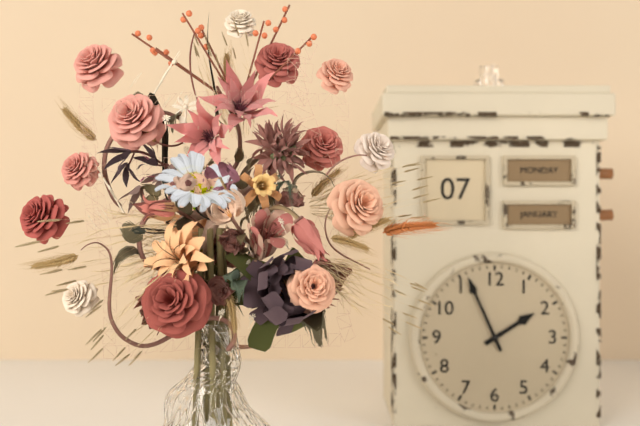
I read 1h56
